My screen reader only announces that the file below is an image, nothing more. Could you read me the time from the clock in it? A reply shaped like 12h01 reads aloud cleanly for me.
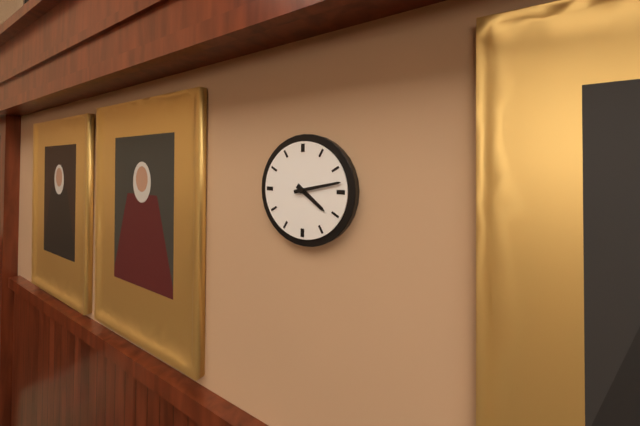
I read 4h13
